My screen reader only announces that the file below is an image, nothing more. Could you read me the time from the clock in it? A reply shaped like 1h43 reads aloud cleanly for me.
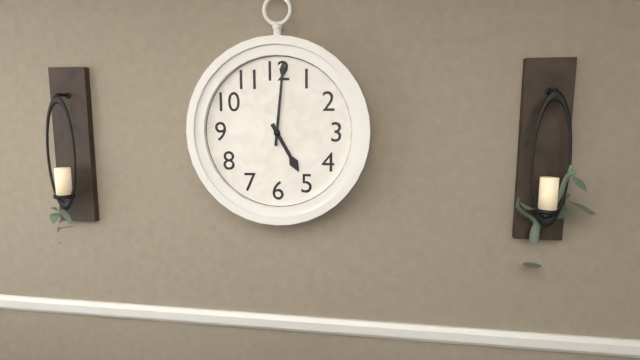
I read 5h01
